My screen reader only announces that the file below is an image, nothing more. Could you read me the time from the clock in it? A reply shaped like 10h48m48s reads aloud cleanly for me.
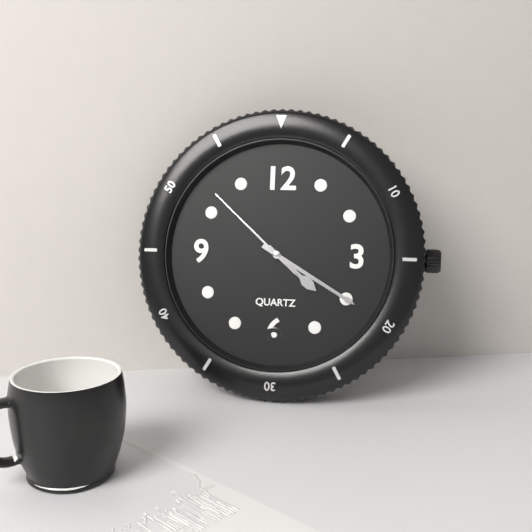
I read 4h20m52s
